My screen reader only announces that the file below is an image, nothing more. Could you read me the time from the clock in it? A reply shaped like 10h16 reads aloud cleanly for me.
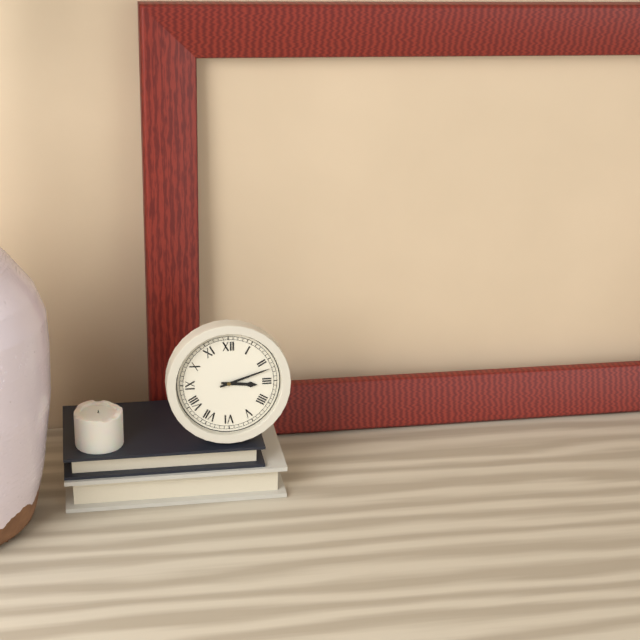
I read 3h12
